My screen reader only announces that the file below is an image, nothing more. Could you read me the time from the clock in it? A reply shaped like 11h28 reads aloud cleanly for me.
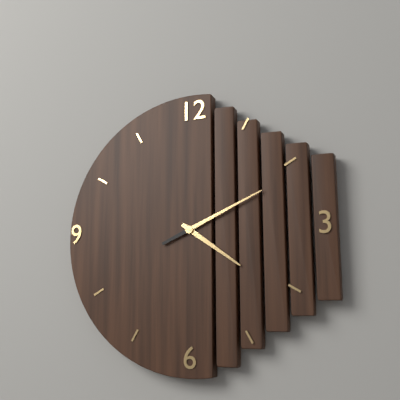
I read 4h11
